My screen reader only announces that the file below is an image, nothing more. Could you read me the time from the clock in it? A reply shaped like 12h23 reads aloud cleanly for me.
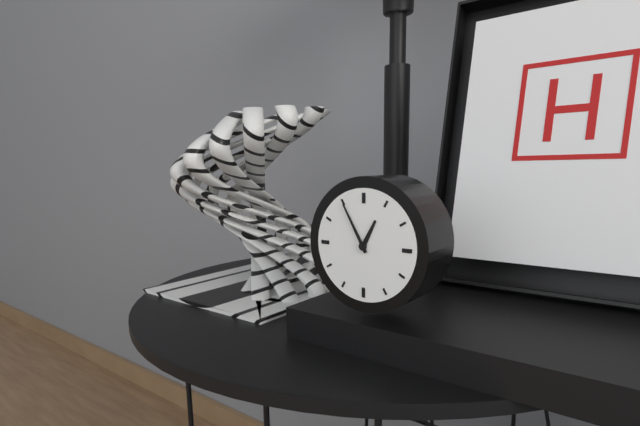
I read 12h55
